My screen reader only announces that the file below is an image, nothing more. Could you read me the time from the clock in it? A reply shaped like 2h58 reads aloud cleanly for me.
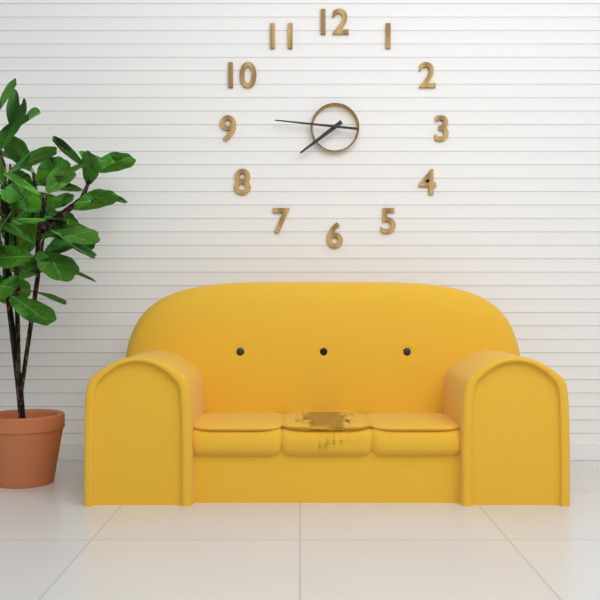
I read 7h46
